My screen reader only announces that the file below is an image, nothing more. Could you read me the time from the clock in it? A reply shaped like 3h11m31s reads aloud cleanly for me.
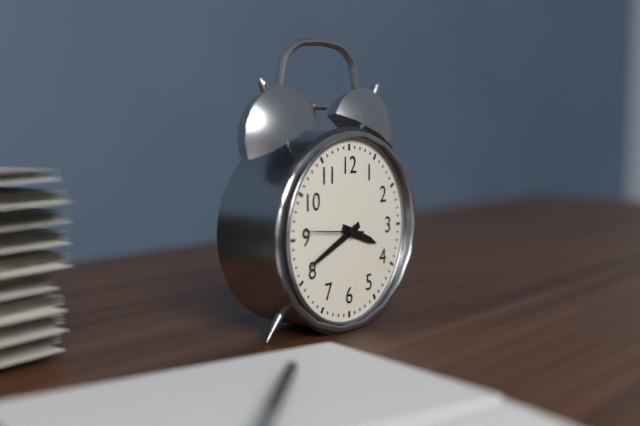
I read 3h41m46s
